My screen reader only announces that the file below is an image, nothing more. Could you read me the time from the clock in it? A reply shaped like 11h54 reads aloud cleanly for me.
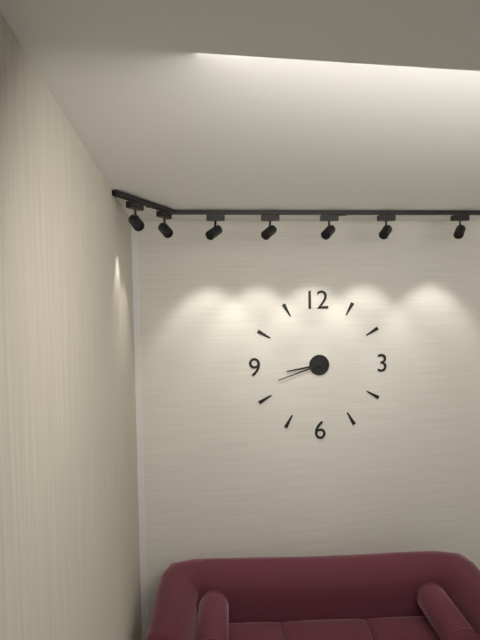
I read 8h42
